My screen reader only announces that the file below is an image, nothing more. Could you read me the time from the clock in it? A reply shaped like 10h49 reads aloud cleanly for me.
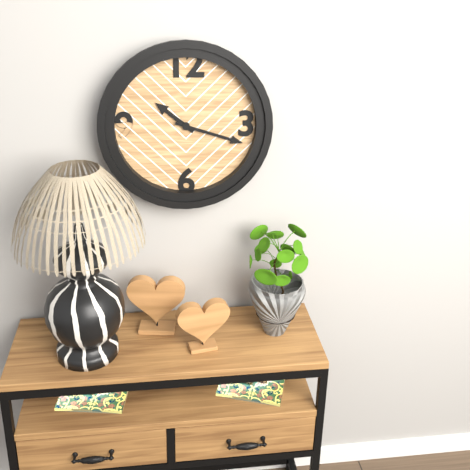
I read 10h18
